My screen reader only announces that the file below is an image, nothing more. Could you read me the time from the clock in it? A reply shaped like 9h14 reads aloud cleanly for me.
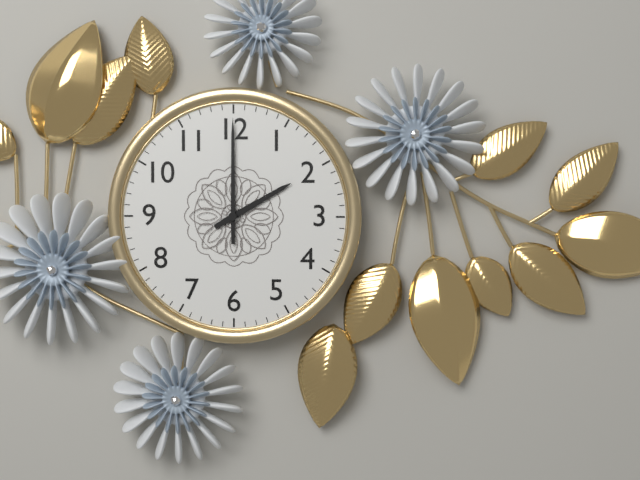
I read 2h00
